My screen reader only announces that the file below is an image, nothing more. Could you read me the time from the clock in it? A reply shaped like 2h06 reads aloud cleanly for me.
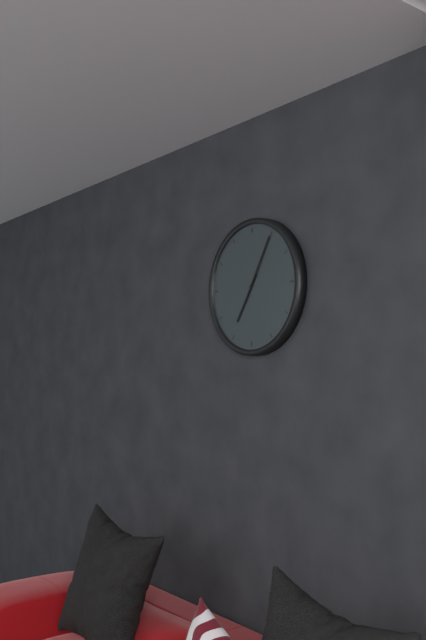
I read 7h05
